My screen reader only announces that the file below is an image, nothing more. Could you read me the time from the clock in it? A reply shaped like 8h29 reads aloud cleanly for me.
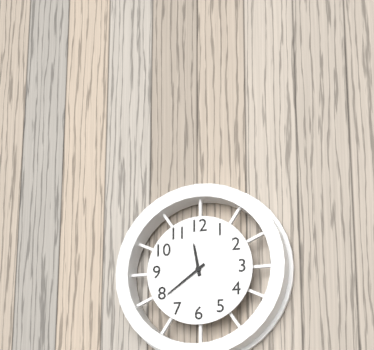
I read 11h39
